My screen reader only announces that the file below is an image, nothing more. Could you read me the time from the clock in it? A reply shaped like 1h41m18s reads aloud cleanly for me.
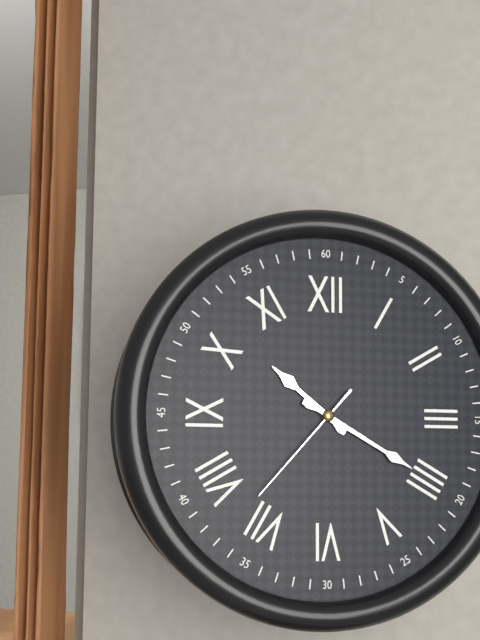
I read 10h20m37s
